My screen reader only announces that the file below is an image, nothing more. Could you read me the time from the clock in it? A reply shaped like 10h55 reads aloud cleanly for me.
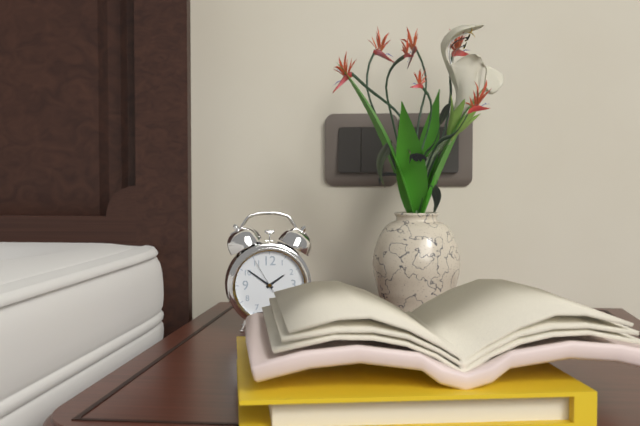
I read 1h51
